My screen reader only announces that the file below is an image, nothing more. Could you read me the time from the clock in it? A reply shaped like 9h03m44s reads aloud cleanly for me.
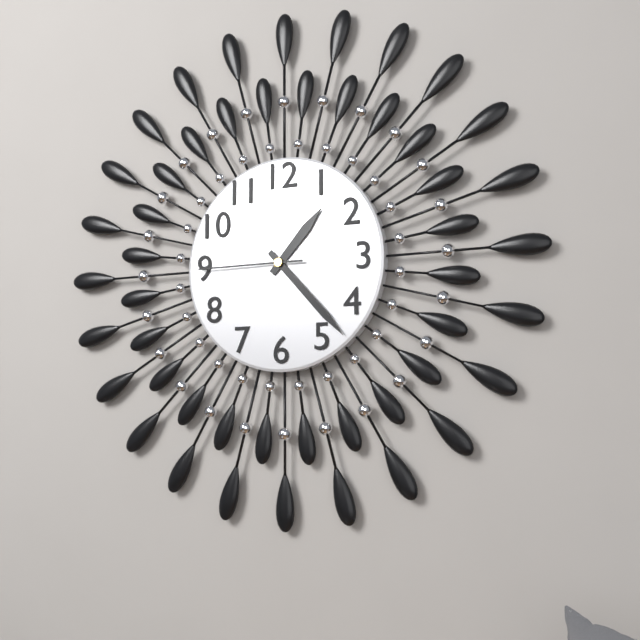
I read 1h23m45s
